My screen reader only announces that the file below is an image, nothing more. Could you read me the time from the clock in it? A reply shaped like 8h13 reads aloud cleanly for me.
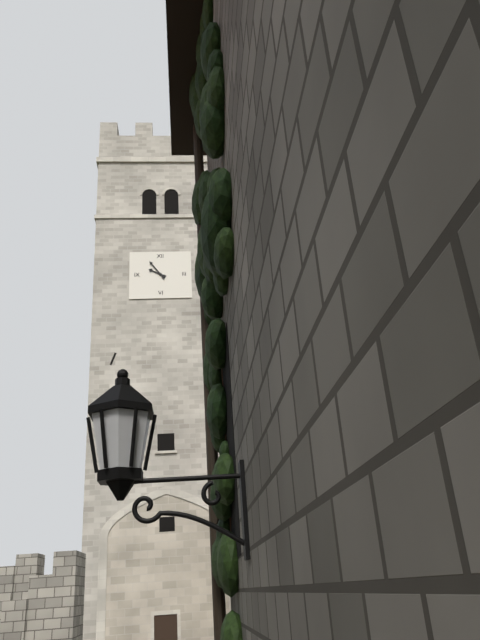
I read 9h54
